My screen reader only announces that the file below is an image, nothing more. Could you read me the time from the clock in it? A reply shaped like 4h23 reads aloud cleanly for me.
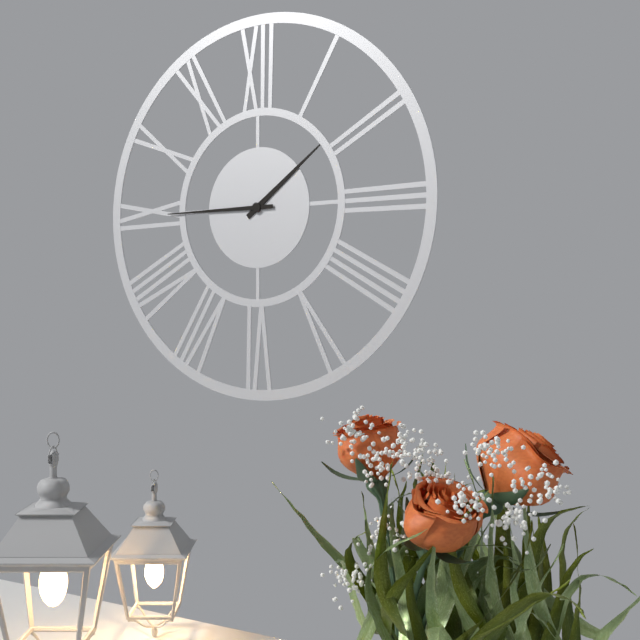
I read 1h45
